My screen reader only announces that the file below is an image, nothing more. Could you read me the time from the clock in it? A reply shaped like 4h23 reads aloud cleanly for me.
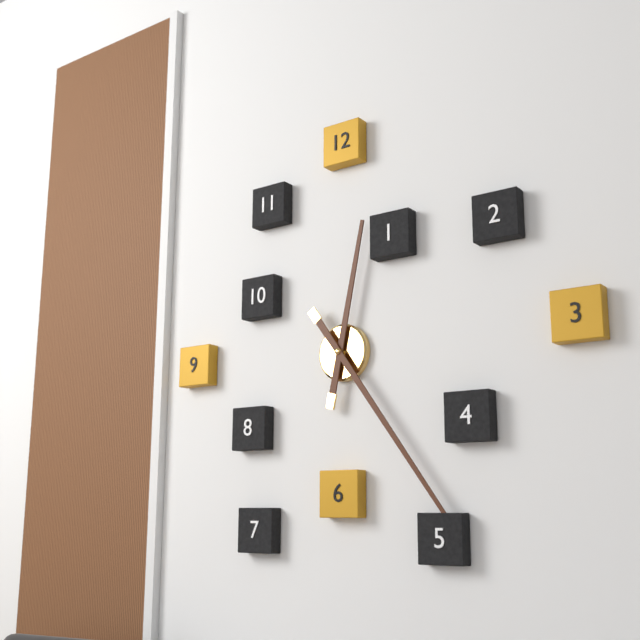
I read 12h24
